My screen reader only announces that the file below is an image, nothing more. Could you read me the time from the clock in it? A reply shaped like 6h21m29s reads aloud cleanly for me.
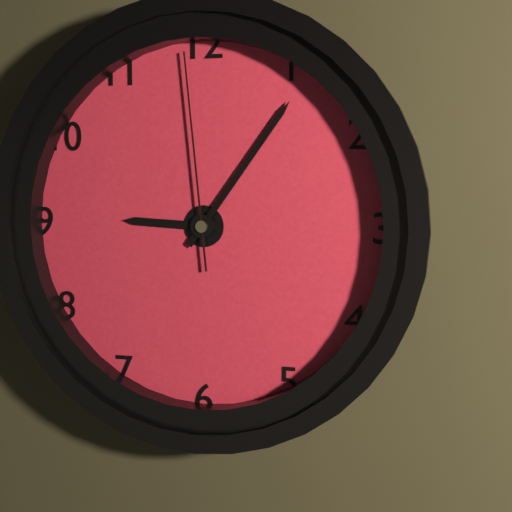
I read 9h06m59s
